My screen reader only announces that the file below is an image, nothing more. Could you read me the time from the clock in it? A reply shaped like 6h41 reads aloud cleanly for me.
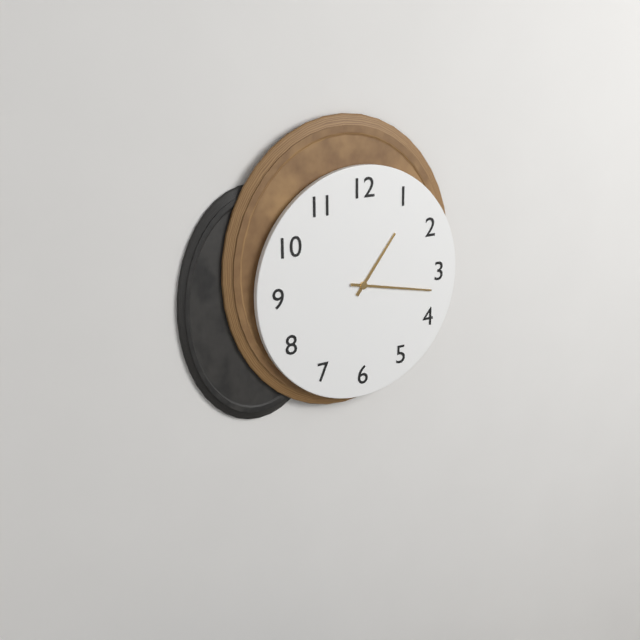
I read 1h17
